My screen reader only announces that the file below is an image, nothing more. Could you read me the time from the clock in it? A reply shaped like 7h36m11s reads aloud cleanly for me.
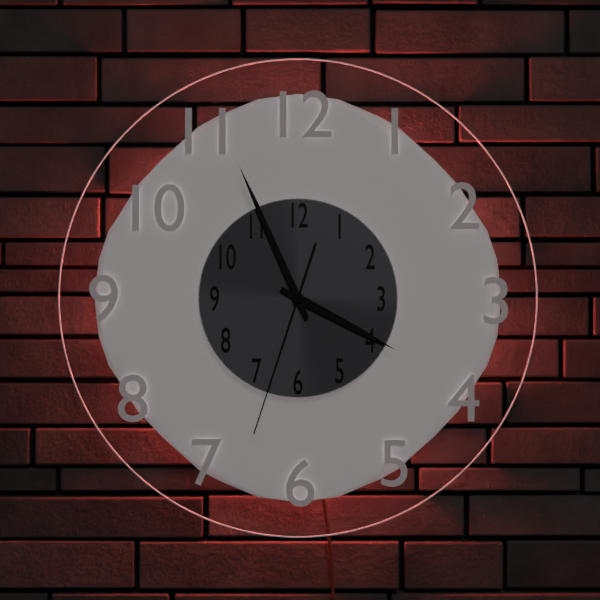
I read 3h56m33s
